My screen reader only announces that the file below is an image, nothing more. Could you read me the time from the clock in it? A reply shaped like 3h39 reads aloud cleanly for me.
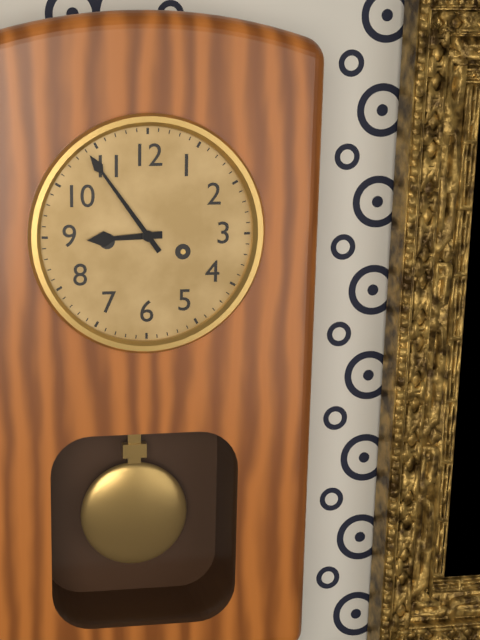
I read 8h54
